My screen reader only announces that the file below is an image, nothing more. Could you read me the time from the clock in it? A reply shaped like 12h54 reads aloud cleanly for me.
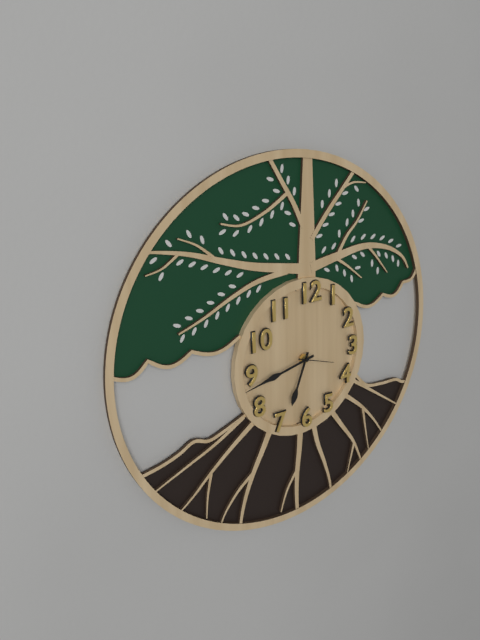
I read 6h43
